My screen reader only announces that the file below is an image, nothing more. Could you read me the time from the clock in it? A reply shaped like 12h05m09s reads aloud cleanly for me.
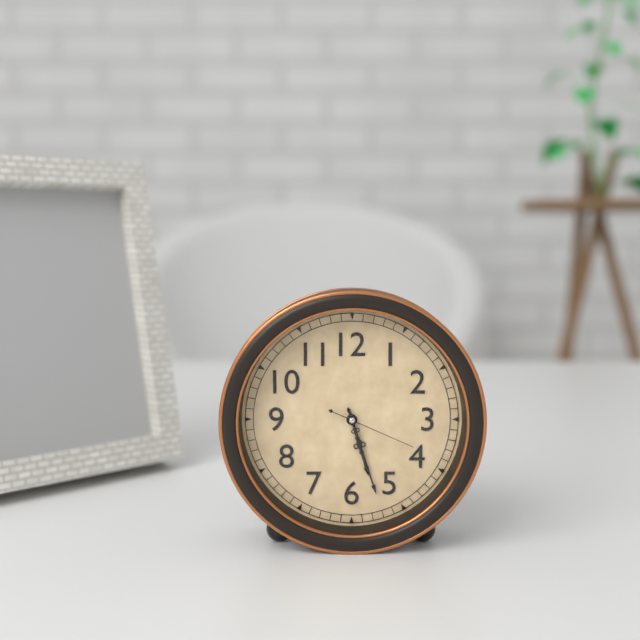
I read 5h27m19s
